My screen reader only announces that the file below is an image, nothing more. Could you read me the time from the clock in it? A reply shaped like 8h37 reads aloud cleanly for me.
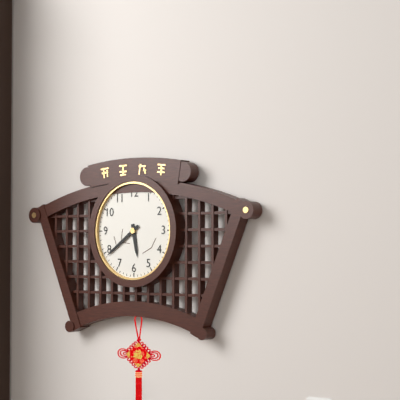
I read 5h39
